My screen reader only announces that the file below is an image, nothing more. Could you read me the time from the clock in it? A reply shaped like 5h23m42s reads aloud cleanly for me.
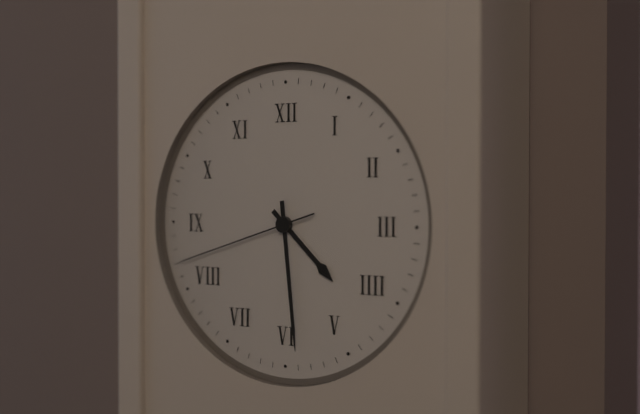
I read 4h29m42s
